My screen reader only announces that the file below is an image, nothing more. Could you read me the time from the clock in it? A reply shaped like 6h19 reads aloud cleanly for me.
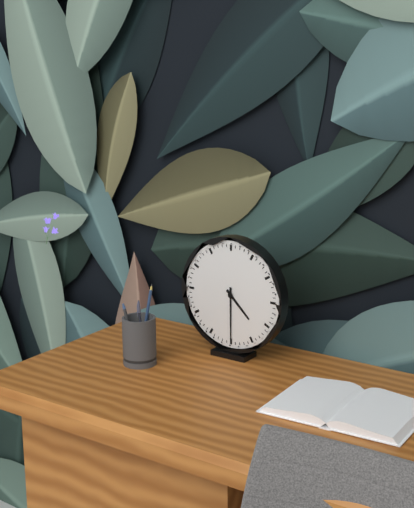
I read 4h30
